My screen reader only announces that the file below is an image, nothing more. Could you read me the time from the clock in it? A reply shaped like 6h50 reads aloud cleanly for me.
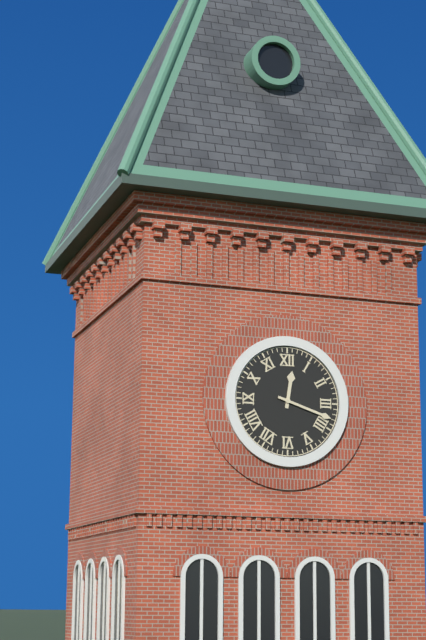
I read 12h18
